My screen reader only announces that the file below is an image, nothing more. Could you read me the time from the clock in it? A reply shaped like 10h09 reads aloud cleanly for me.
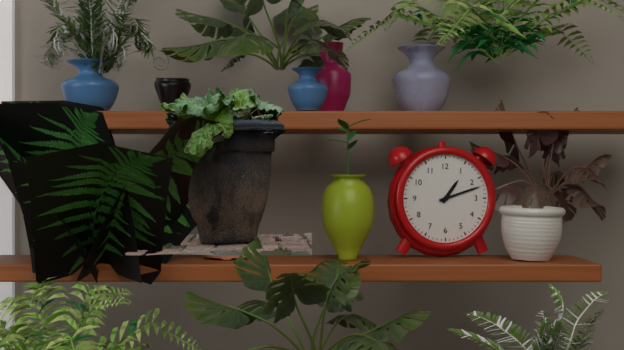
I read 1h12
